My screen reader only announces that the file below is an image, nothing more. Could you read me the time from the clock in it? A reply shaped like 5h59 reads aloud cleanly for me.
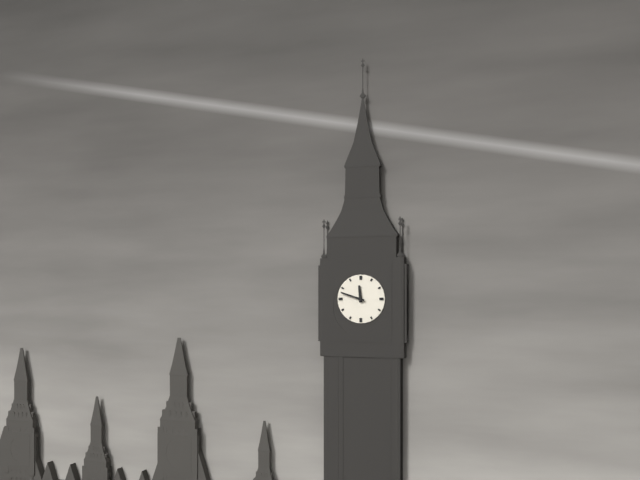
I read 11h48
